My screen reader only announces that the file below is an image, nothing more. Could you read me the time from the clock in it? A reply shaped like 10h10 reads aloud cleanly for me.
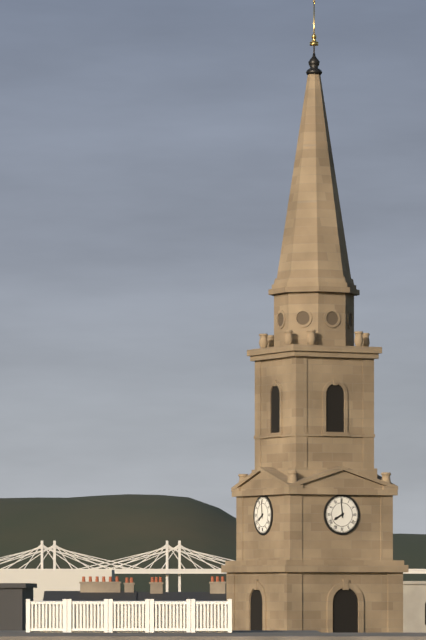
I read 7h59
